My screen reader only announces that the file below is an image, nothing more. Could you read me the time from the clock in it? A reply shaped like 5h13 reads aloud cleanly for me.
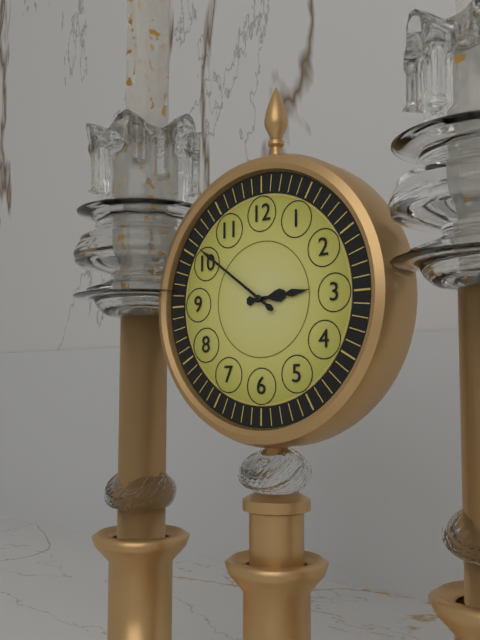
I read 2h51
